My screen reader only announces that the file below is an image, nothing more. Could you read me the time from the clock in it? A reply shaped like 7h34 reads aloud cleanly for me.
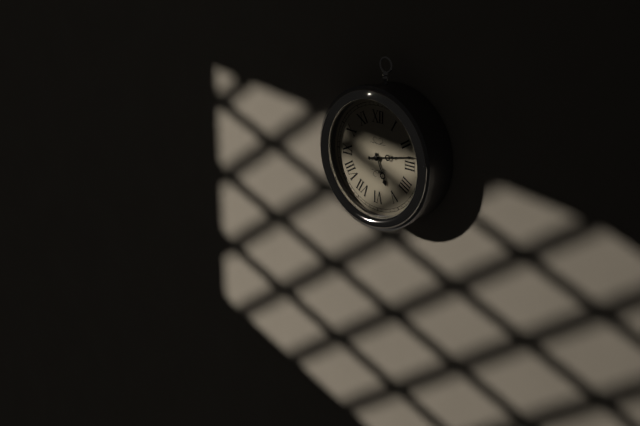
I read 5h13
